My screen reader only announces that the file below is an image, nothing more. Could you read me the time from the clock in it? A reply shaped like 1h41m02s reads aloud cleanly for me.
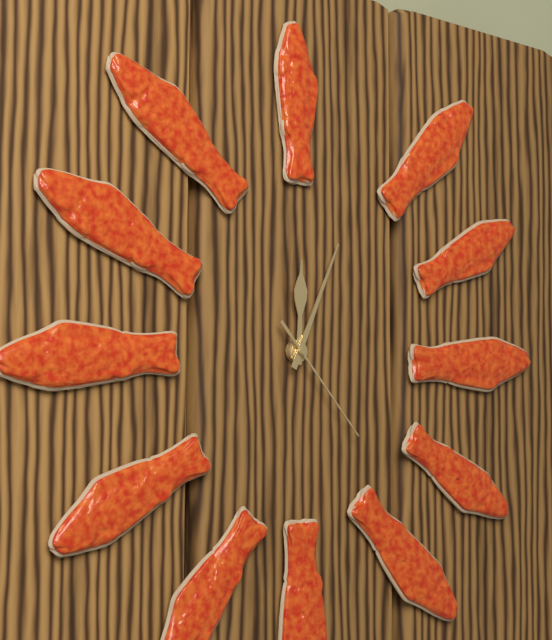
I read 12h04m23s
